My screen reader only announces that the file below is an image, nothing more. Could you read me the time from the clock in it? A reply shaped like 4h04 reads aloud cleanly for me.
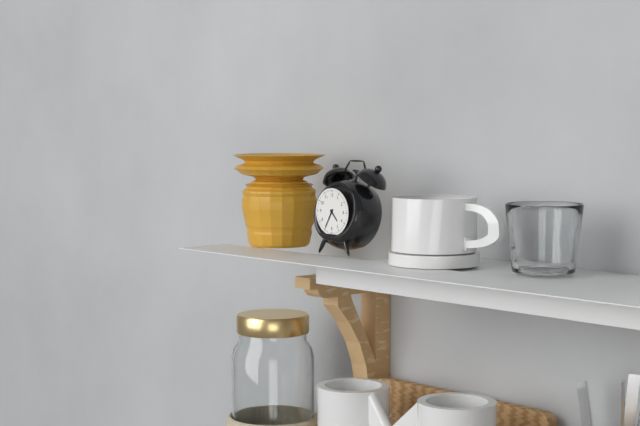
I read 4h35
